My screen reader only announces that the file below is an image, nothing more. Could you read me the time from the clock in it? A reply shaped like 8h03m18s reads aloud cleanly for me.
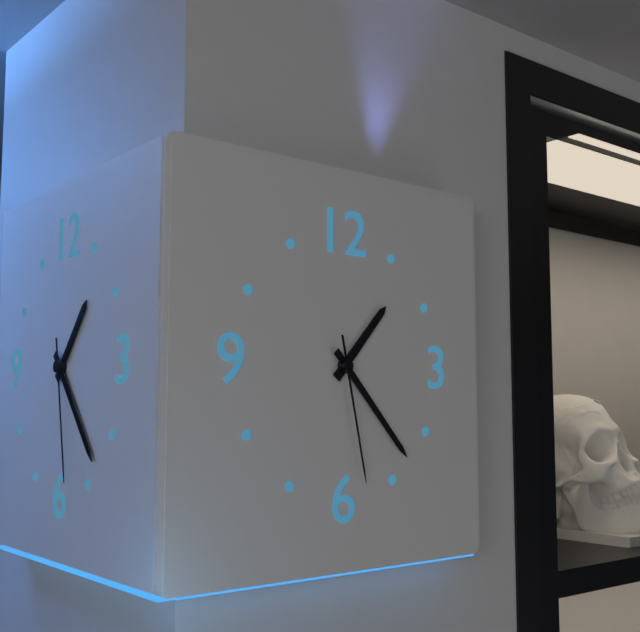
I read 1h23m28s
